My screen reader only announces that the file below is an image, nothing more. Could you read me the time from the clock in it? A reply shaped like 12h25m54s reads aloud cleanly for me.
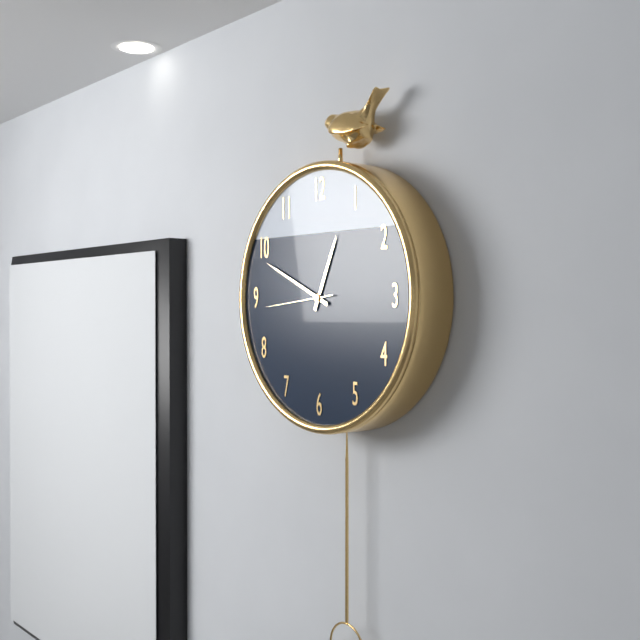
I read 12h49m44s
